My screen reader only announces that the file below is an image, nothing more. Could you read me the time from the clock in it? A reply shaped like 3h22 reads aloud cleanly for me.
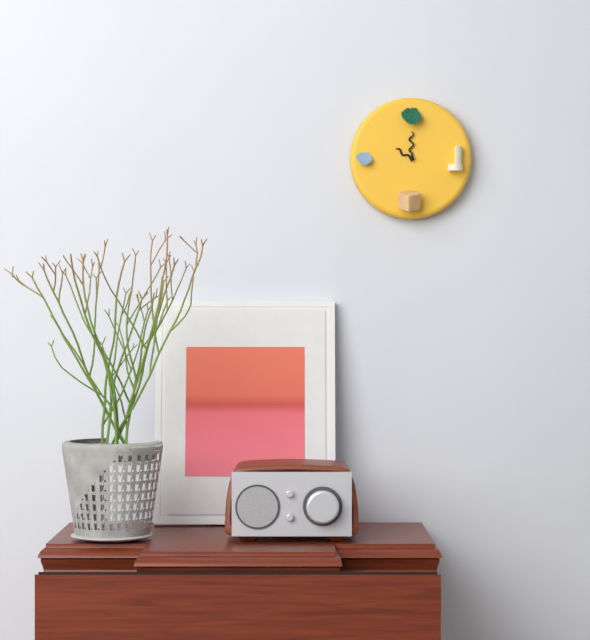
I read 10h00
